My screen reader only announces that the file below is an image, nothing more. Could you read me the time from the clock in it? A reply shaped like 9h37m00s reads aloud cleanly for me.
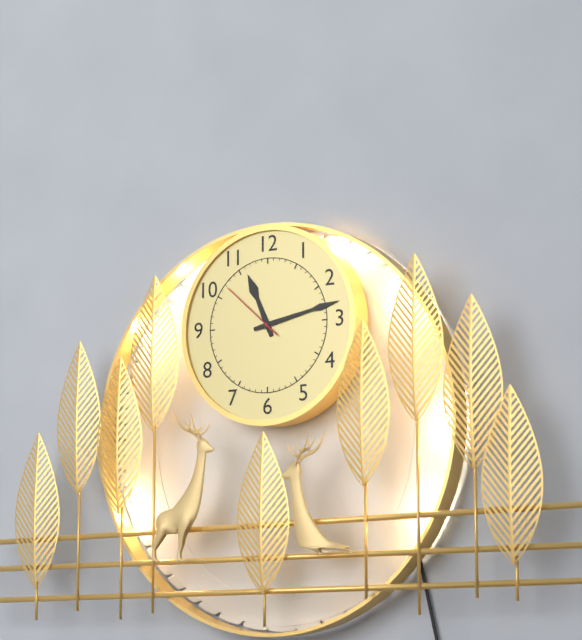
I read 11h13m52s
